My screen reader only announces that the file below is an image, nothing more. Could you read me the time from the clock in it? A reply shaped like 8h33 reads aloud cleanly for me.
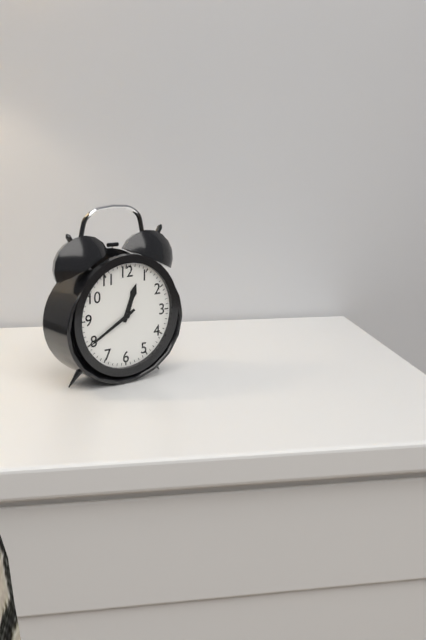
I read 12h40
